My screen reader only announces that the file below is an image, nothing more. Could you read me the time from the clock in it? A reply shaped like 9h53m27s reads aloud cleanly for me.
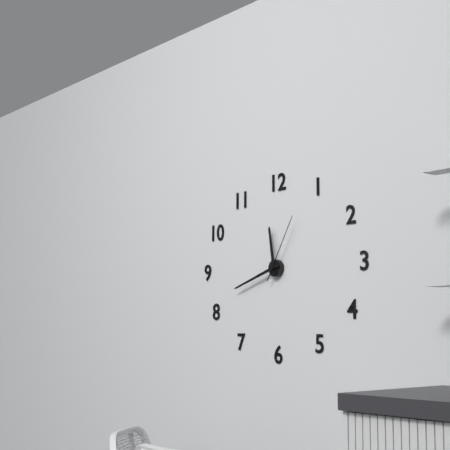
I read 11h42m05s
